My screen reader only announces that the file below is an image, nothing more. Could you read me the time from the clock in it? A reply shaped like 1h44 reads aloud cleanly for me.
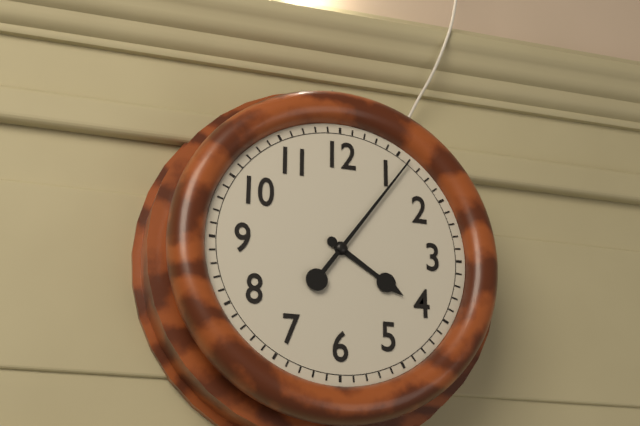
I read 4h06
